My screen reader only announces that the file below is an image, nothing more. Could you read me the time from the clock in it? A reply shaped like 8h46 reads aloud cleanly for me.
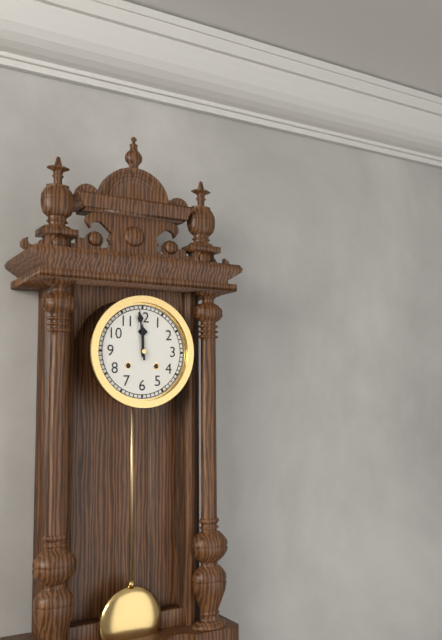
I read 11h59
